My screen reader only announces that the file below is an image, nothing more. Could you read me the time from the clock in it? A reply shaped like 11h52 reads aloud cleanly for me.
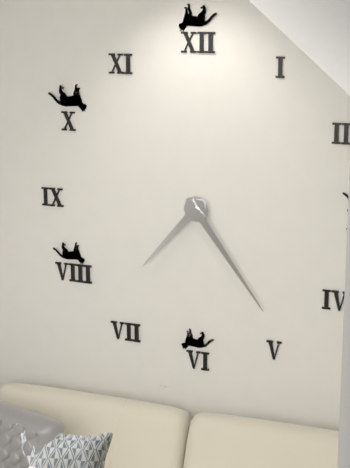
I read 7h24
